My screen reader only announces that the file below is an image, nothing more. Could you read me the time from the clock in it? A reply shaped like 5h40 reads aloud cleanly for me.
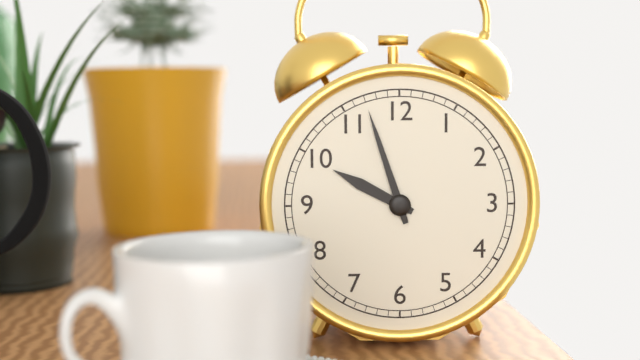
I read 9h57
